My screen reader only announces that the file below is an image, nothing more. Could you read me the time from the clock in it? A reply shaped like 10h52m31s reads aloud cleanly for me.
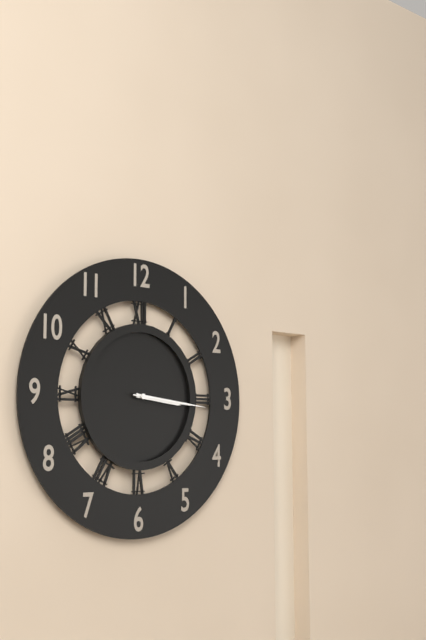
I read 3h16m16s
